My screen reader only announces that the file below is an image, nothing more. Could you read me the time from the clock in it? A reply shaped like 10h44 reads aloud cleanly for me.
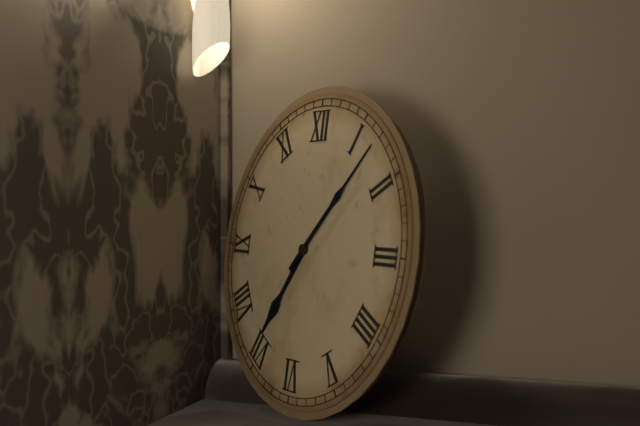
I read 7h07
